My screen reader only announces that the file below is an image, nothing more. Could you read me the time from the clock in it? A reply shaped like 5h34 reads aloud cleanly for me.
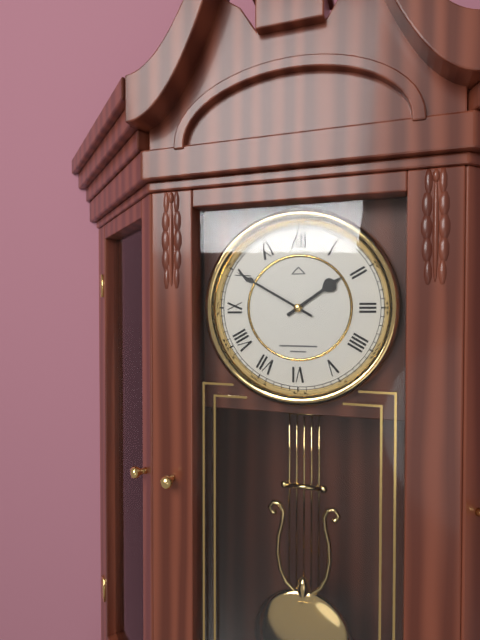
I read 1h50
